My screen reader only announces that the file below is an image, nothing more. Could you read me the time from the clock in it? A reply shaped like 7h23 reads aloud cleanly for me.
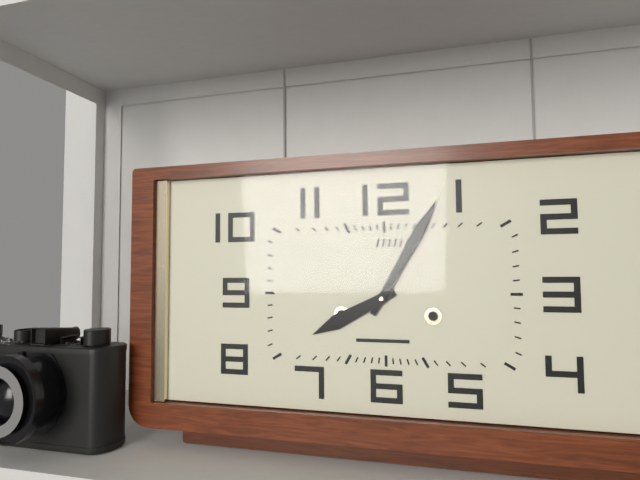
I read 8h05
